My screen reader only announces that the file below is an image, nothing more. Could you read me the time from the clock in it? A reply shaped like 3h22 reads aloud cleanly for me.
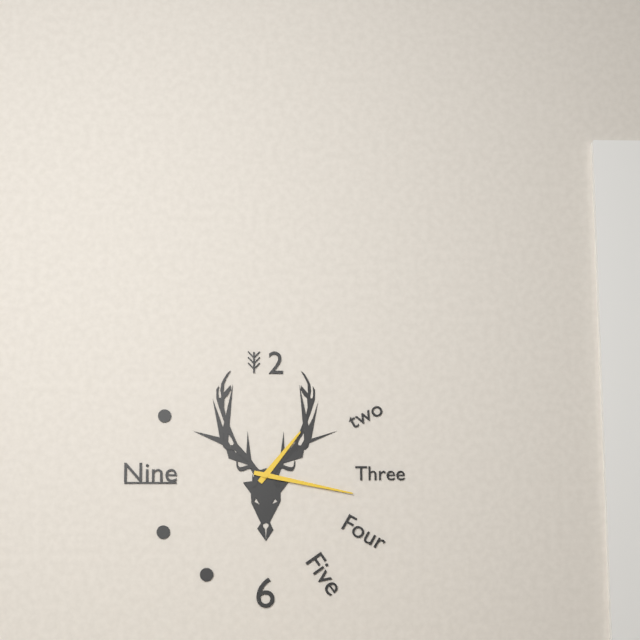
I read 1h17
